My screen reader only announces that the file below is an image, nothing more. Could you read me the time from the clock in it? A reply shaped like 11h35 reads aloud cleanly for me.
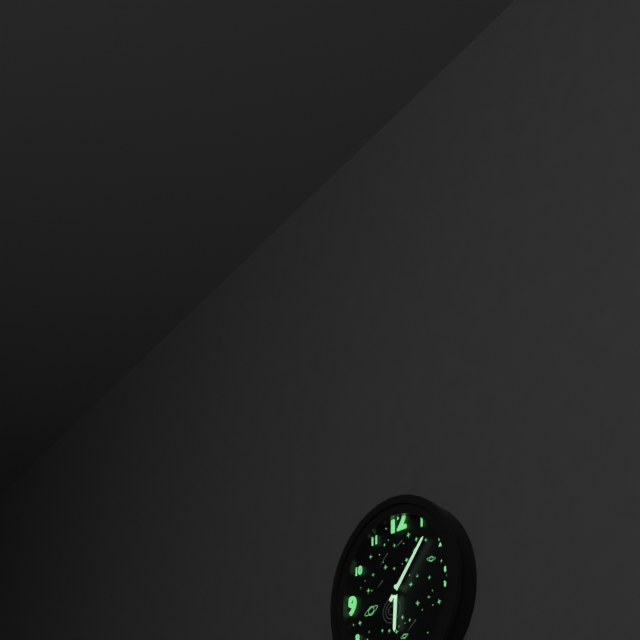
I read 6h07
